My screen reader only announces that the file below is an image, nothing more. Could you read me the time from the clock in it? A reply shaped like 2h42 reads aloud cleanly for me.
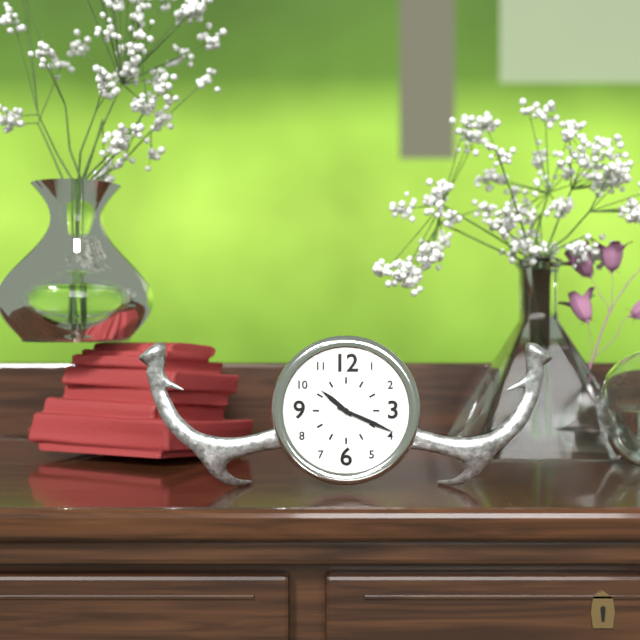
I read 10h19
